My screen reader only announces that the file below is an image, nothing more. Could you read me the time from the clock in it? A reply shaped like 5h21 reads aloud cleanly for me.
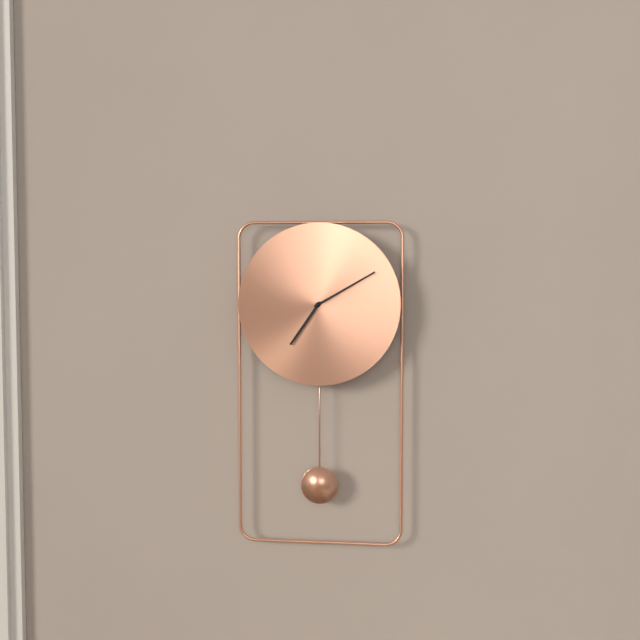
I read 7h10
